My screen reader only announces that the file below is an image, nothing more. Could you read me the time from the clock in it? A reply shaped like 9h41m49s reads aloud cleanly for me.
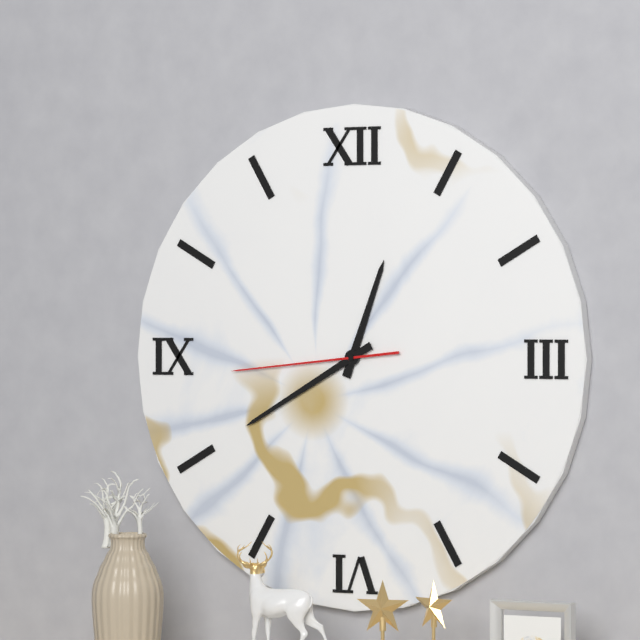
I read 12h40m44s
